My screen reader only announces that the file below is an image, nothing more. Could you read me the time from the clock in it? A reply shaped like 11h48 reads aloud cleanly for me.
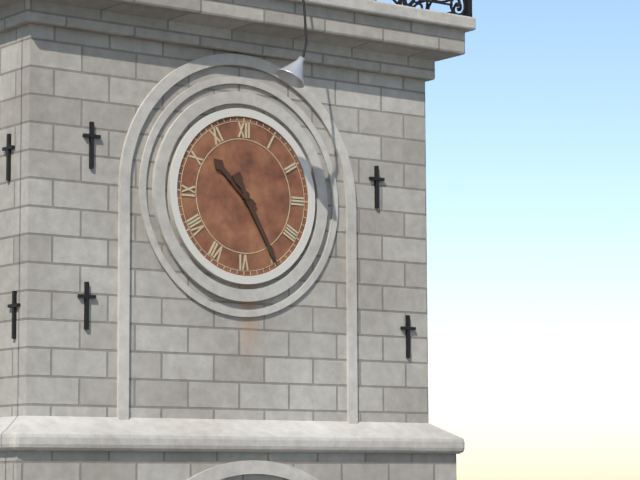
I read 10h25
